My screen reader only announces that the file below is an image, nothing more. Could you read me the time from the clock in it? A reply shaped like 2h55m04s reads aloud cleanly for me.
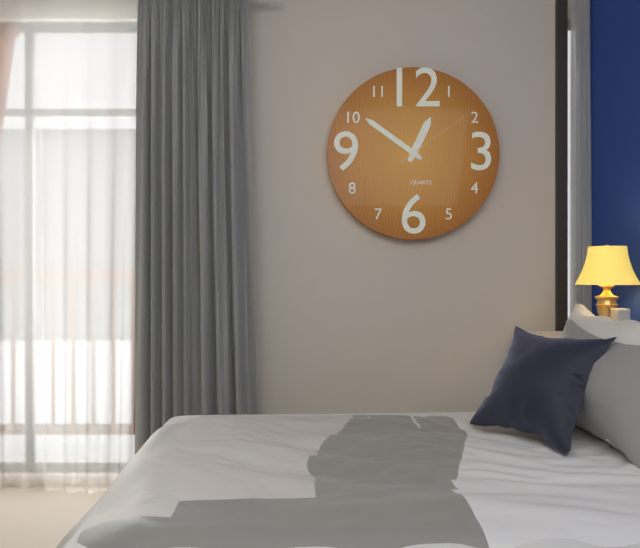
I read 12h51m09s
